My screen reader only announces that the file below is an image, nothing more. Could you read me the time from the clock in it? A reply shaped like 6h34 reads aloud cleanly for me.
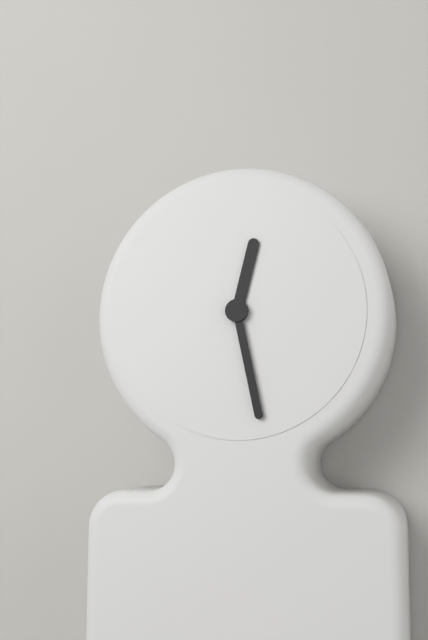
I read 12h28
